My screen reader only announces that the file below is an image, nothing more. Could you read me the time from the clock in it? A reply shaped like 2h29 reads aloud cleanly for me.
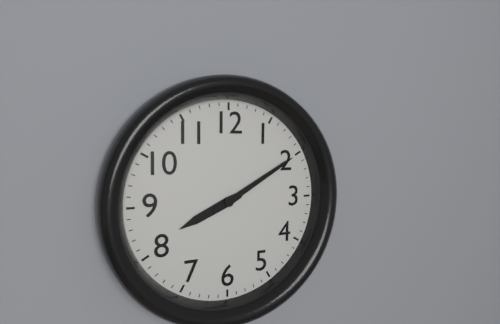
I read 8h10
